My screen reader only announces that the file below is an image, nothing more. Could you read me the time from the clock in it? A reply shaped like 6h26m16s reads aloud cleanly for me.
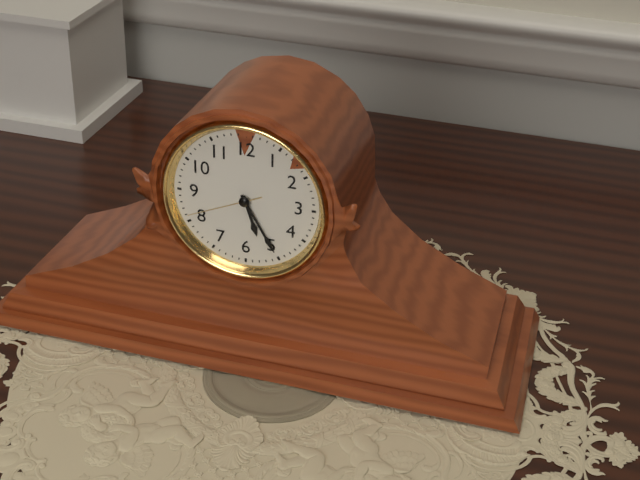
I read 5h25m41s
